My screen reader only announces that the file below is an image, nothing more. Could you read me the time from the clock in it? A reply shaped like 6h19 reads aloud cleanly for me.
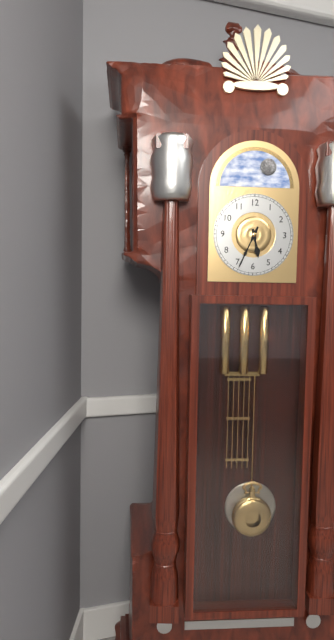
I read 5h34
